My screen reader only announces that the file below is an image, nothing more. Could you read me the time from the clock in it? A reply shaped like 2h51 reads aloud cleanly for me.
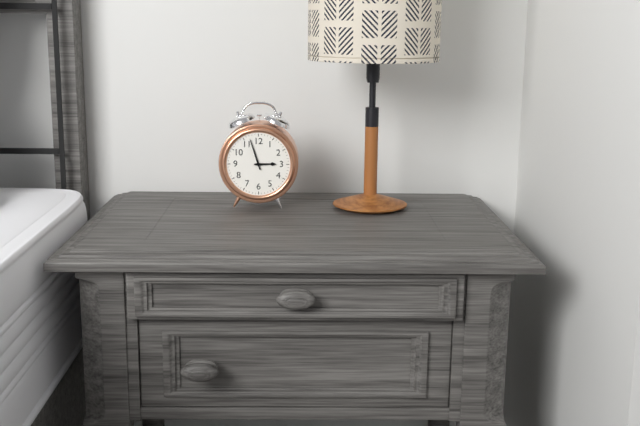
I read 2h57
